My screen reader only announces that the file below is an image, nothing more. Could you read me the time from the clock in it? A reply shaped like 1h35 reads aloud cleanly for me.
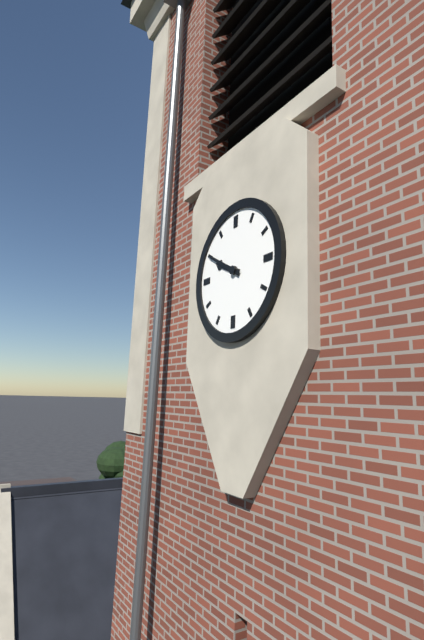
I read 9h50
